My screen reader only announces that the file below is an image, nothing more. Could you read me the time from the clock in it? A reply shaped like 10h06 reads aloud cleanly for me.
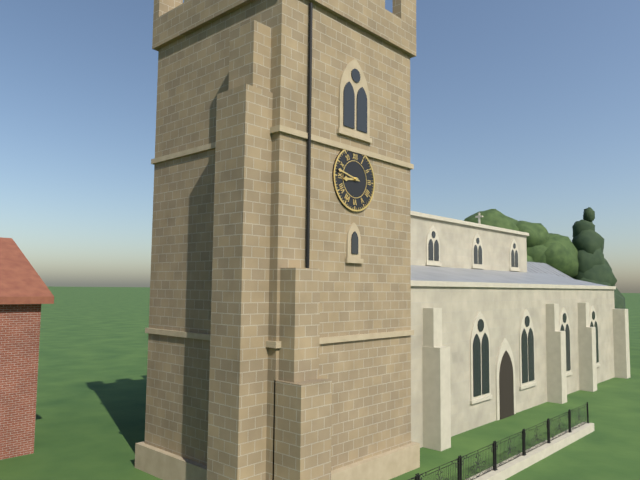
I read 8h47
